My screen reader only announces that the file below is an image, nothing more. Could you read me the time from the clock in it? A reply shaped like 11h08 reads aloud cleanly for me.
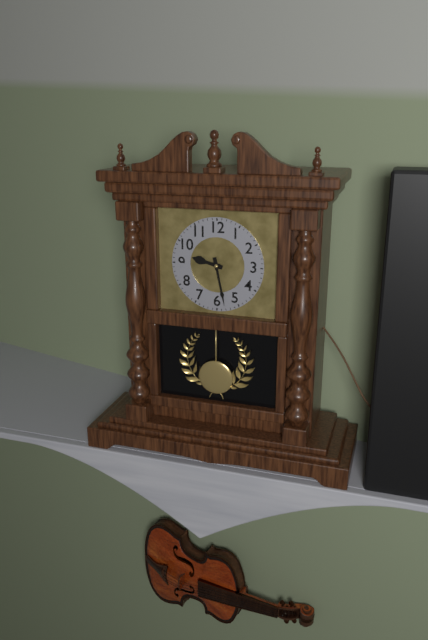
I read 9h28
